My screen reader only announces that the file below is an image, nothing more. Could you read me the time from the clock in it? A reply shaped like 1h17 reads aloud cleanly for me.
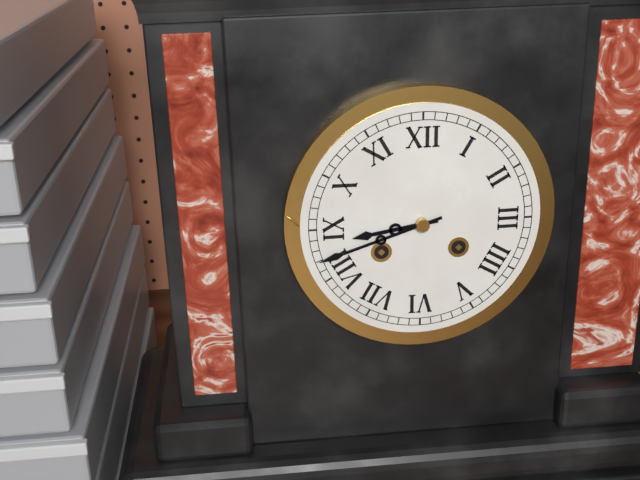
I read 8h42
